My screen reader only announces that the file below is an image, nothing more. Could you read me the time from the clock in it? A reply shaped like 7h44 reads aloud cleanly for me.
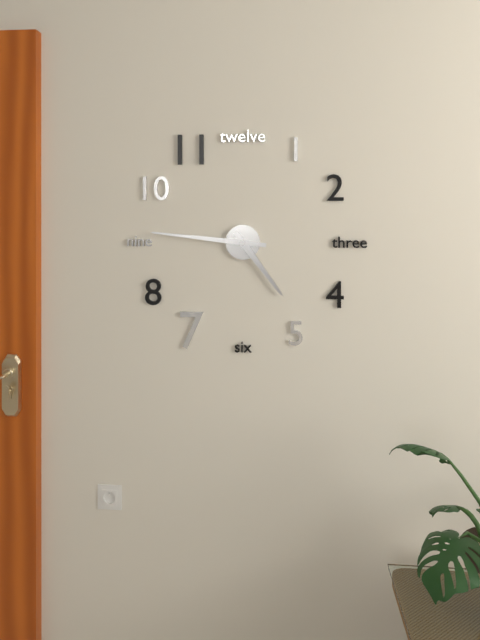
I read 4h46
